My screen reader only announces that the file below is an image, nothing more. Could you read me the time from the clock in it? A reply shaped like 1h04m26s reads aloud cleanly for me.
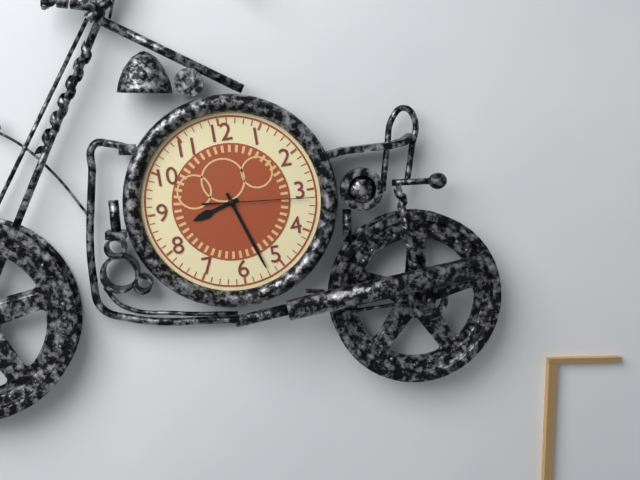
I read 8h27m16s
